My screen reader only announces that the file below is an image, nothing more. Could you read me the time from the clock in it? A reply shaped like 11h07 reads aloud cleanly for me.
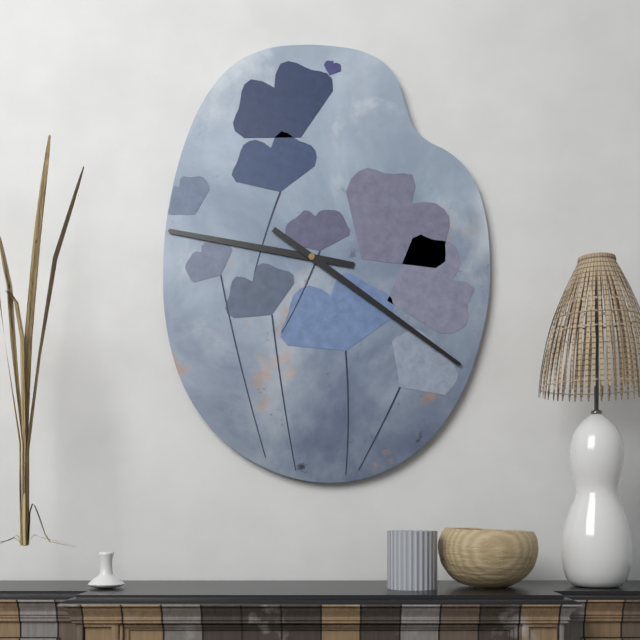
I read 9h21
